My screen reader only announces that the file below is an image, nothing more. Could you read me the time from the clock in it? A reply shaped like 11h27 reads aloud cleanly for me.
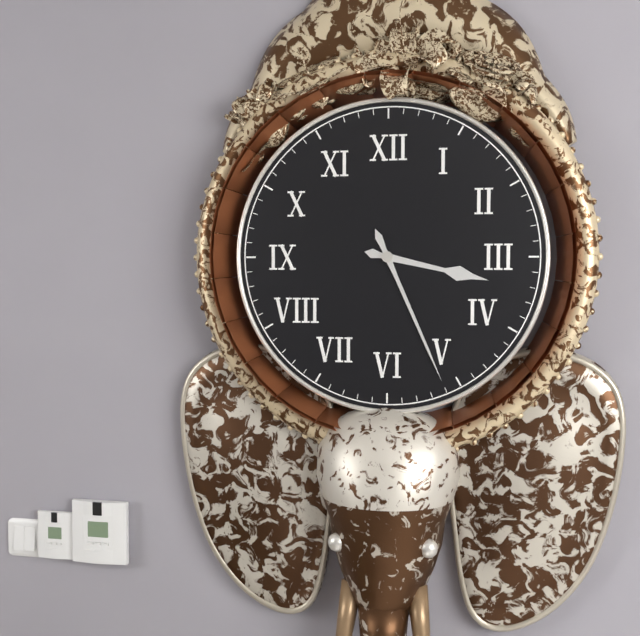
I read 3h26
